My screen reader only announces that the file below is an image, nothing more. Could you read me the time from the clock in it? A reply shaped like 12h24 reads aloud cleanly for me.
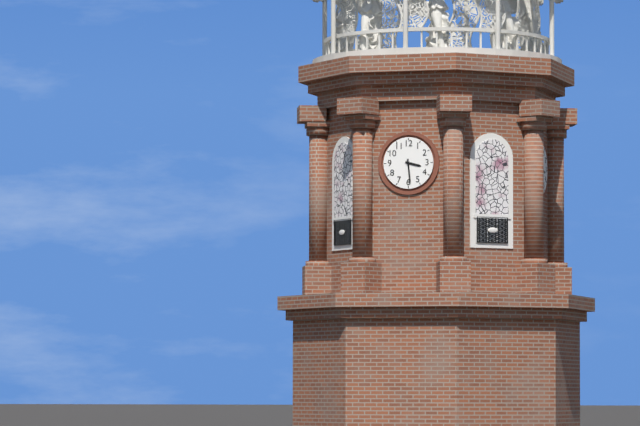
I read 3h29
